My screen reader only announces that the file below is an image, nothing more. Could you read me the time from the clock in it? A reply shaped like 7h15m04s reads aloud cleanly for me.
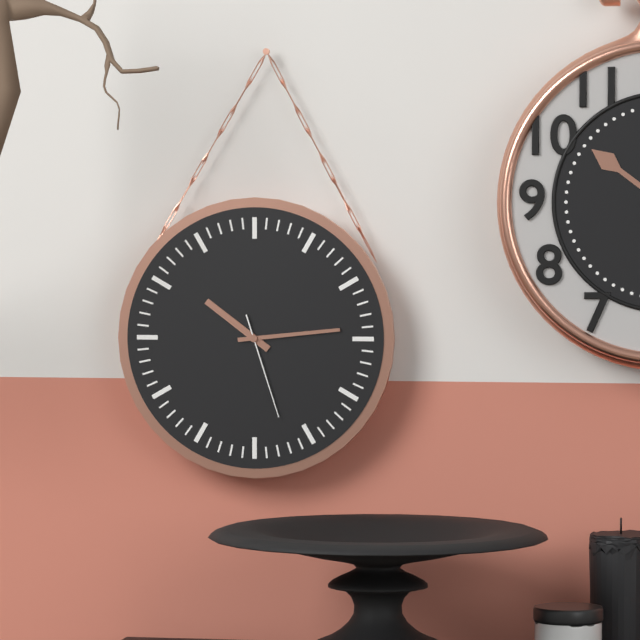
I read 10h14m27s
